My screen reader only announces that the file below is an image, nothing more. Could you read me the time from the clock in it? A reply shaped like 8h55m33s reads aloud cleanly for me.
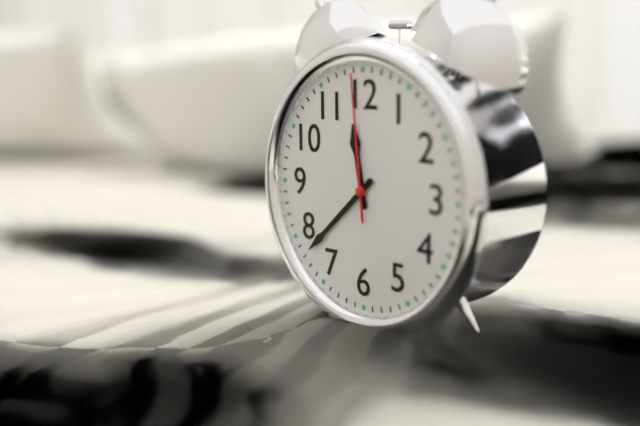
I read 11h38m59s
